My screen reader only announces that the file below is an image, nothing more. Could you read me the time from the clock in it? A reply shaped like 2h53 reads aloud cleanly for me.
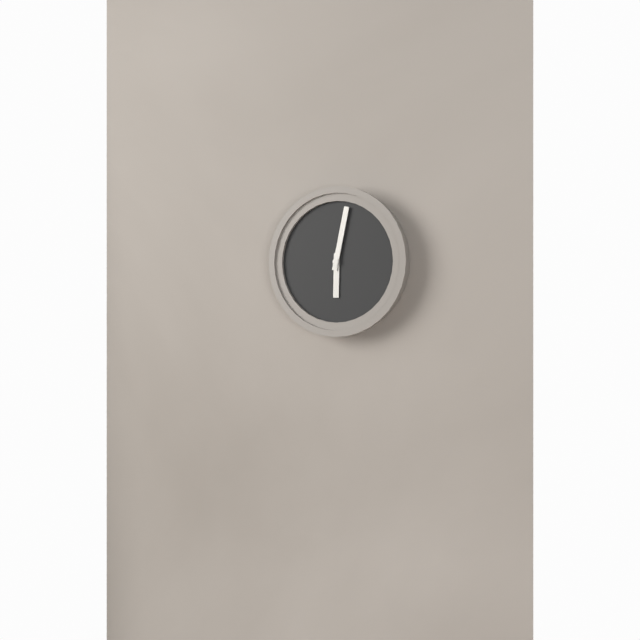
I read 6h02
